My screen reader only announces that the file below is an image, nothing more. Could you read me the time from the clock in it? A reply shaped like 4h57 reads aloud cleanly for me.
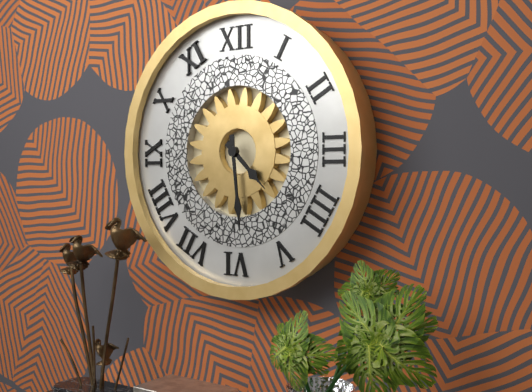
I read 4h29
